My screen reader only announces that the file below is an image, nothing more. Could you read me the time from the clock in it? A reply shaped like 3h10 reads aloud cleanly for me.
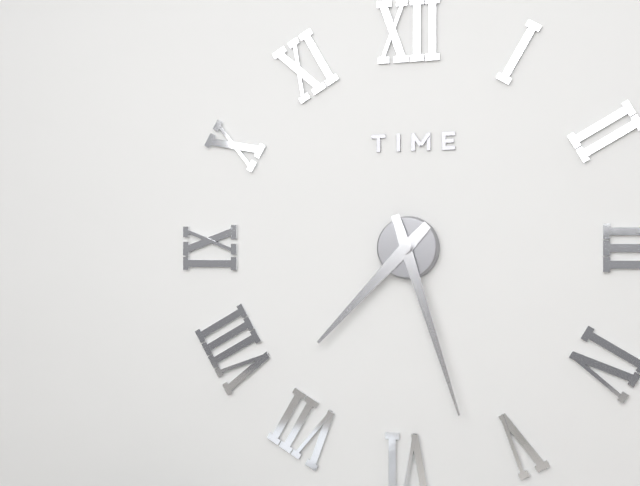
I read 7h27
